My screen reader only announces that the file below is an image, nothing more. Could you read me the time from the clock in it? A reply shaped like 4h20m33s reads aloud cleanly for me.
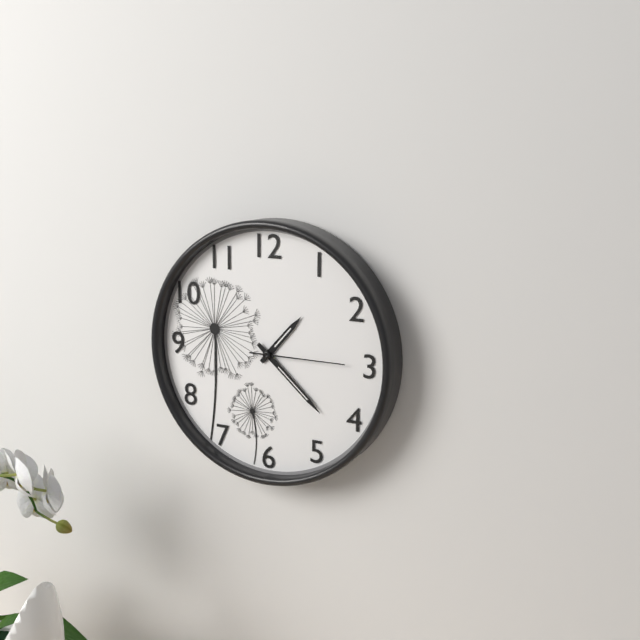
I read 1h22m15s
